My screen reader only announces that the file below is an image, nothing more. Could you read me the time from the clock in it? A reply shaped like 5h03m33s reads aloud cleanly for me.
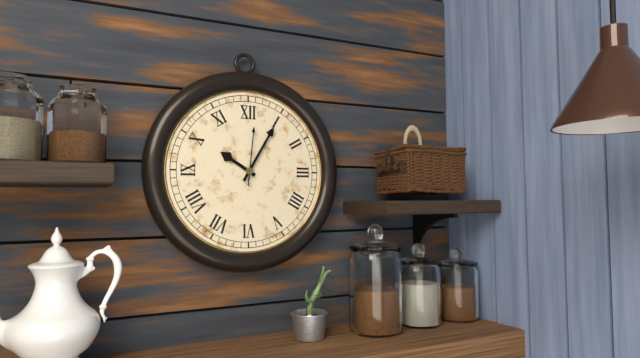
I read 10h05m01s
